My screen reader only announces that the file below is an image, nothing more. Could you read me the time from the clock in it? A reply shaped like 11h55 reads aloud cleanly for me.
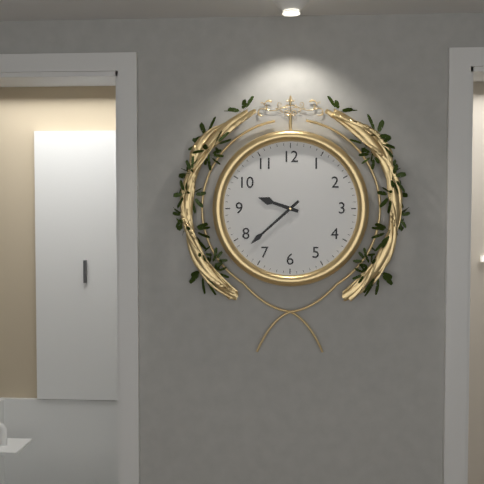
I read 9h38
